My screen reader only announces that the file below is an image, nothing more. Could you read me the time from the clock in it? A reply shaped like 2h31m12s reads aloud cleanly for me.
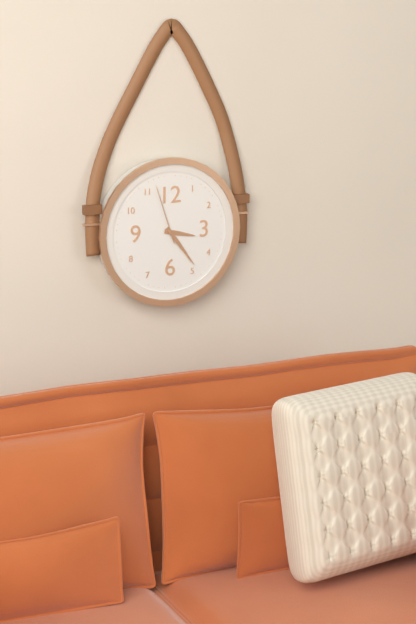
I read 3h24m57s
